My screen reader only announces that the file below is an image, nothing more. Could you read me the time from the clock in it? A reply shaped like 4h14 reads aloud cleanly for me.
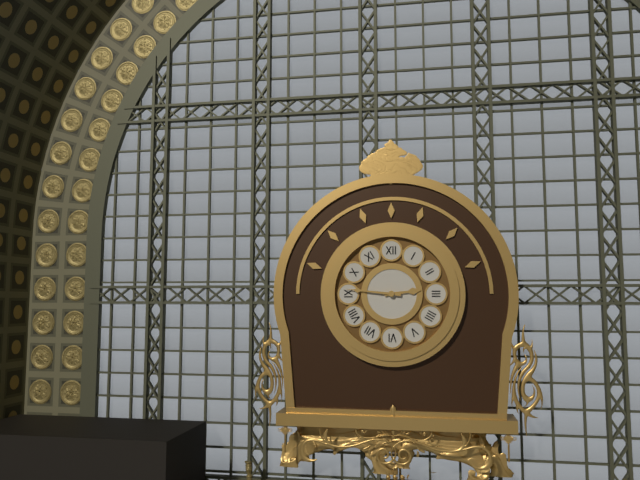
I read 2h46
